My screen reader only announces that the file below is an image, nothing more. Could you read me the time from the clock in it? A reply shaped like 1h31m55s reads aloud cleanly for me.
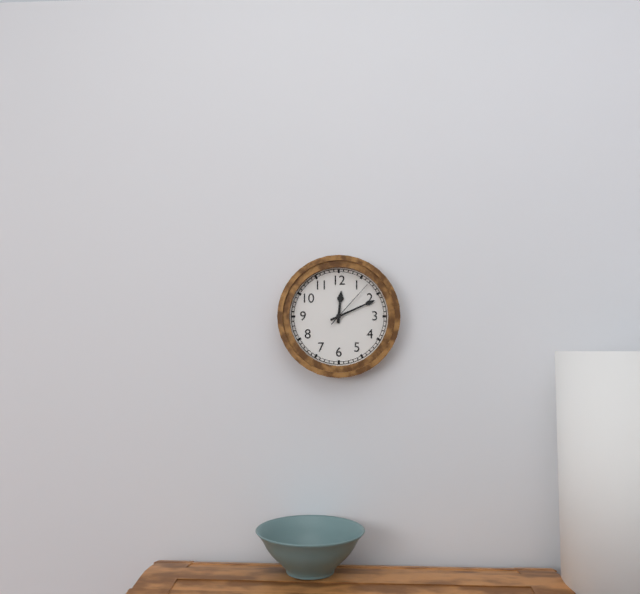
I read 12h11m07s
